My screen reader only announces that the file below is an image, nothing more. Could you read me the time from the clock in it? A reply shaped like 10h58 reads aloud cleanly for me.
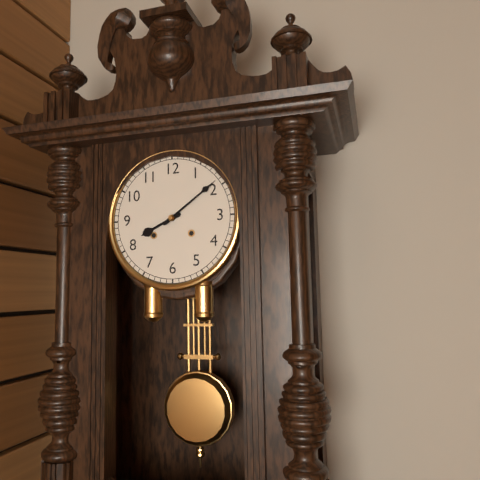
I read 8h09
